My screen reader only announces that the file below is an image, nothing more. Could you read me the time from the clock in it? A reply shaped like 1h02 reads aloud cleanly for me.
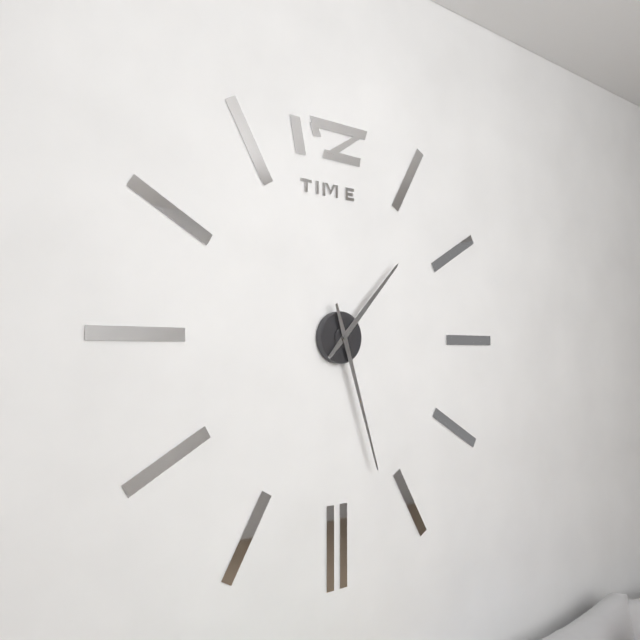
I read 1h27
